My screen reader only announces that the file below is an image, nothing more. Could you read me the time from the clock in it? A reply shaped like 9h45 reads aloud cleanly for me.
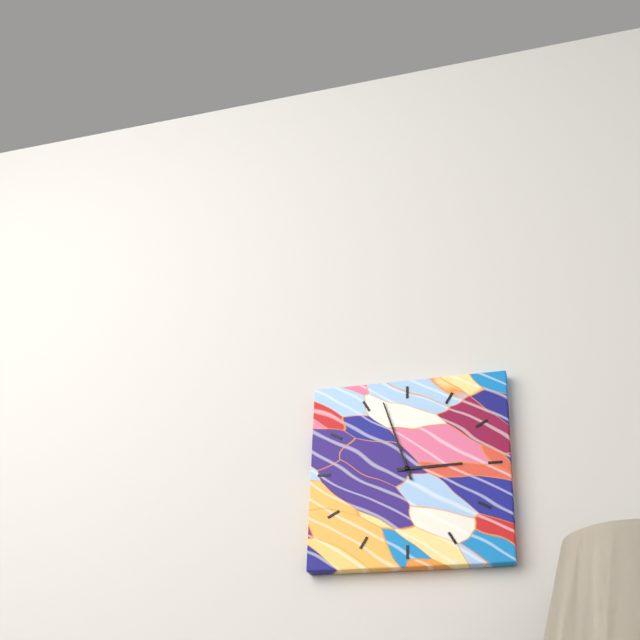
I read 2h57
